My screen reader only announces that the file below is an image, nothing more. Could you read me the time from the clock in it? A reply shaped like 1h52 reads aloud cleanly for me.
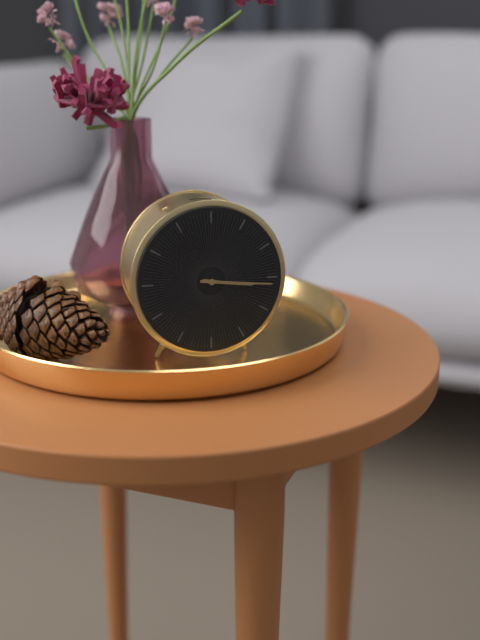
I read 3h16
